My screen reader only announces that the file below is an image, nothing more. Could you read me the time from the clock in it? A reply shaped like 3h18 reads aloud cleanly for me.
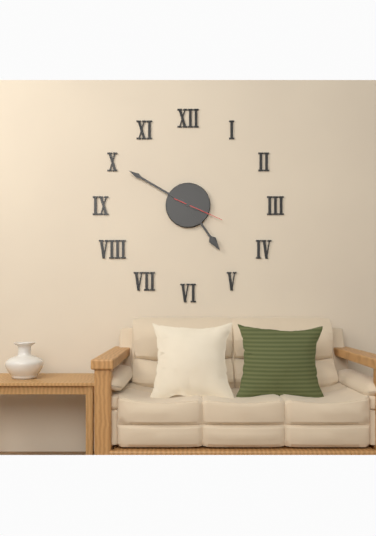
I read 4h50
